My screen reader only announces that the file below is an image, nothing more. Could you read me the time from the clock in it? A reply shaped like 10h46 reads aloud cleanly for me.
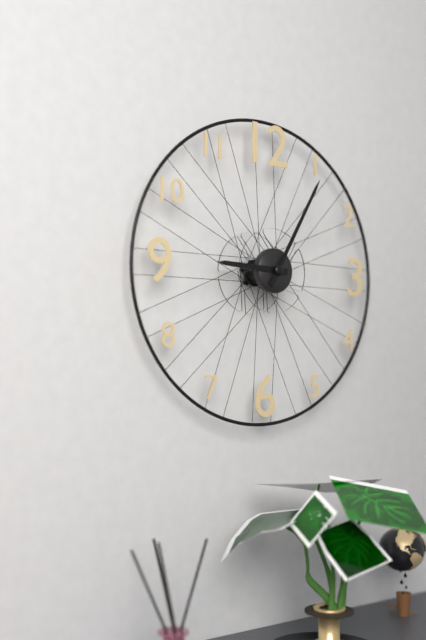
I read 9h05
